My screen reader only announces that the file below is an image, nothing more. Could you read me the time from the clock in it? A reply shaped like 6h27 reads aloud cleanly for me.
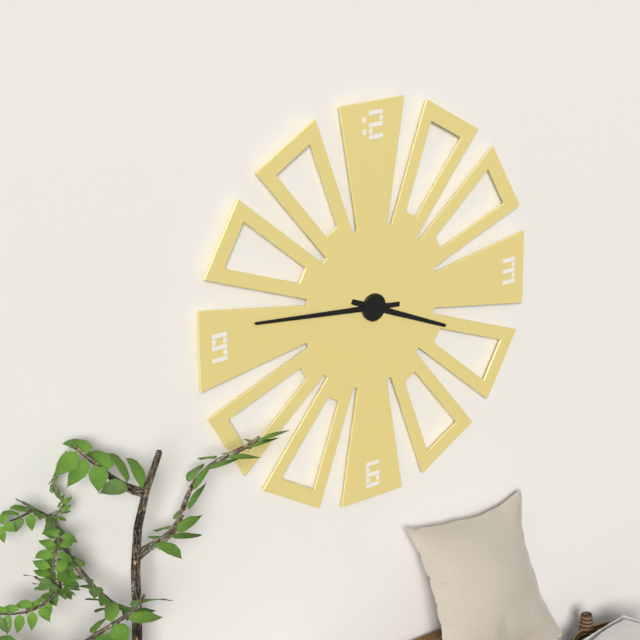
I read 3h46
